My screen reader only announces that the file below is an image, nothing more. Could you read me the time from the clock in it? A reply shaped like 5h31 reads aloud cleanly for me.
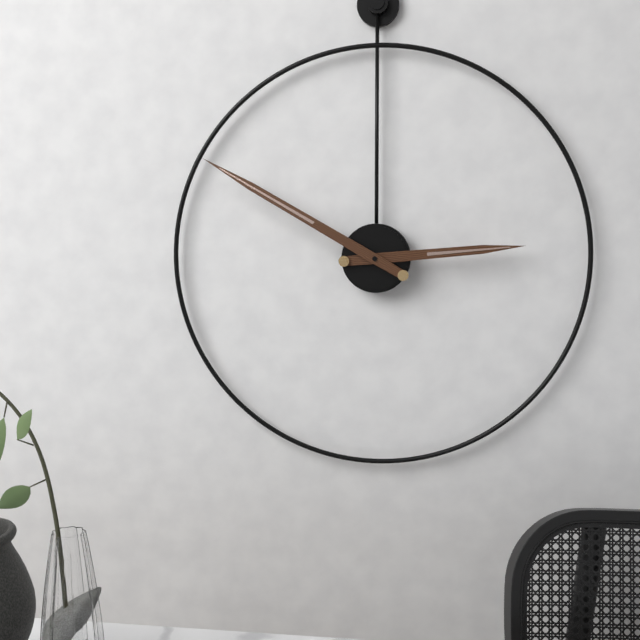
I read 2h50
